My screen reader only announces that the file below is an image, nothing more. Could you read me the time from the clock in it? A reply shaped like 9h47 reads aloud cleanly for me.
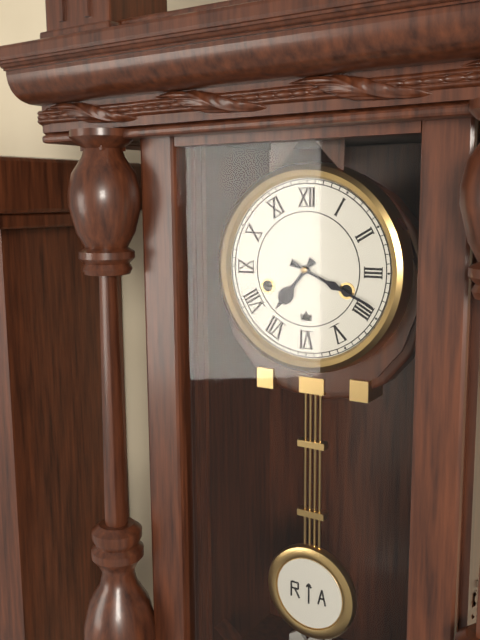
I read 7h19
